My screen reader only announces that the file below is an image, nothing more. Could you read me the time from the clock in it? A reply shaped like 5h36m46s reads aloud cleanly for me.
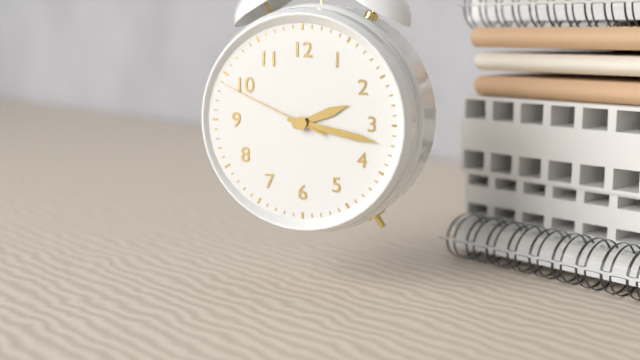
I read 2h17m49s
